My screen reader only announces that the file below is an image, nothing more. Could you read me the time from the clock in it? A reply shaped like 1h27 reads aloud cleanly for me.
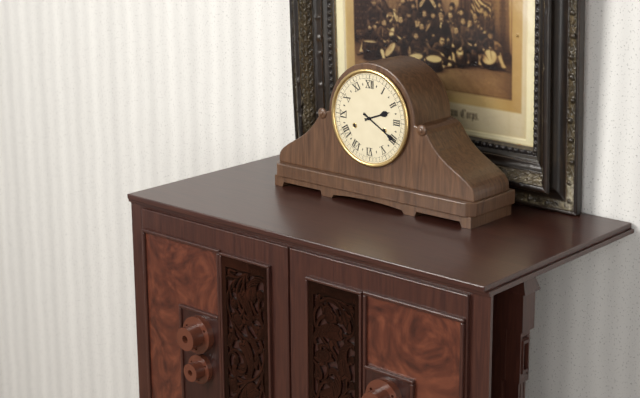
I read 2h20
